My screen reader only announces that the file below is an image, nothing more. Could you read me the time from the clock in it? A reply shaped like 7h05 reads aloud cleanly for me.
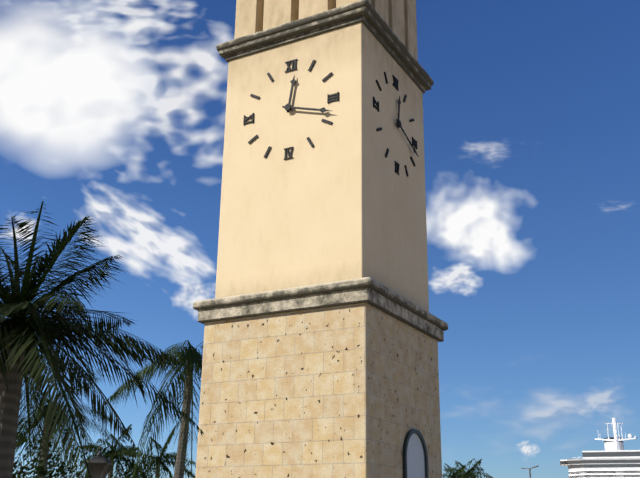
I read 12h18
